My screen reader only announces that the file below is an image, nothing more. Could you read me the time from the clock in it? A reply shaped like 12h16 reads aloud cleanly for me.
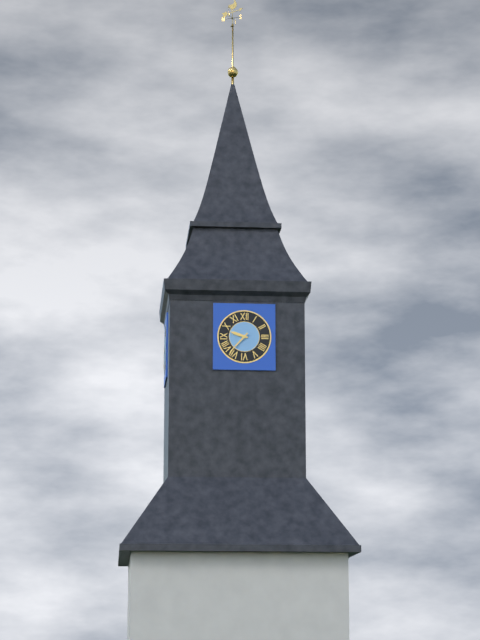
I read 9h37
